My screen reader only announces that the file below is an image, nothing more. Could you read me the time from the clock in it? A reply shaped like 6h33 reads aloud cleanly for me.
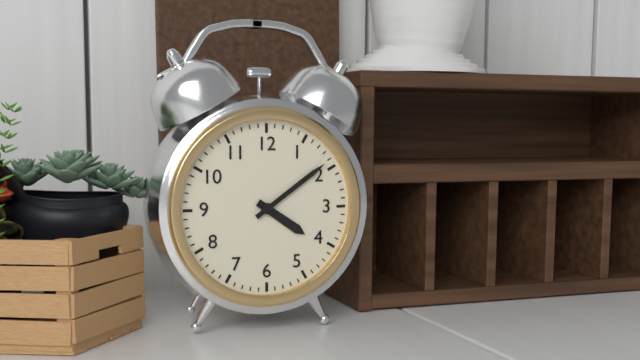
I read 4h09
